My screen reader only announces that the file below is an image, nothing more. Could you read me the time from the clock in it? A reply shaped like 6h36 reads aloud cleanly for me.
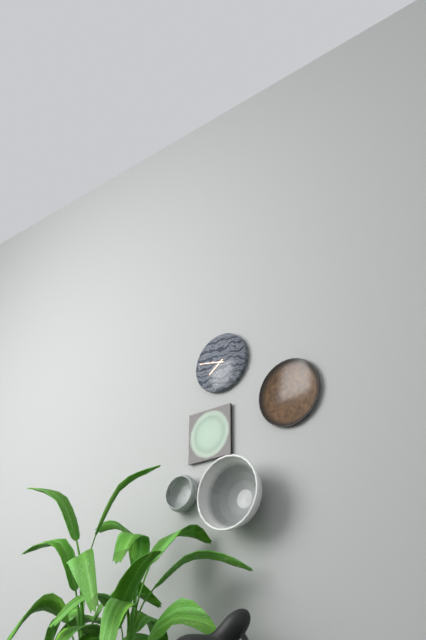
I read 7h47
